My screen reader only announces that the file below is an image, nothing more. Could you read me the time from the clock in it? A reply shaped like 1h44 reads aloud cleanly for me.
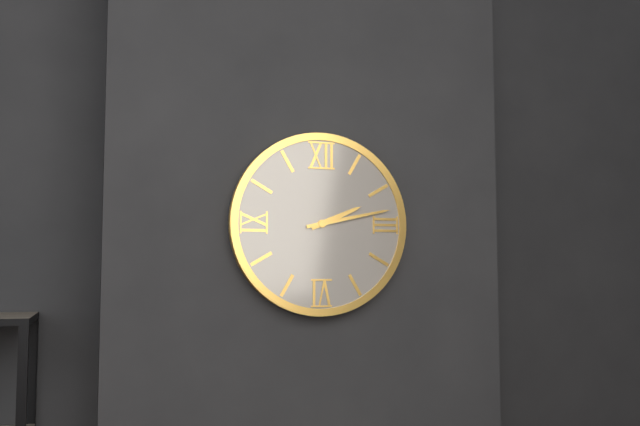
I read 2h13
